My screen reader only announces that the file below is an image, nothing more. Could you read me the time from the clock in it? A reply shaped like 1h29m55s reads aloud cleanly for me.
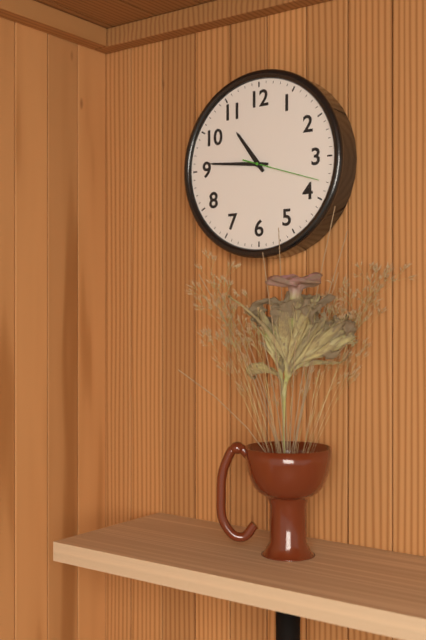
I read 10h46m18s
